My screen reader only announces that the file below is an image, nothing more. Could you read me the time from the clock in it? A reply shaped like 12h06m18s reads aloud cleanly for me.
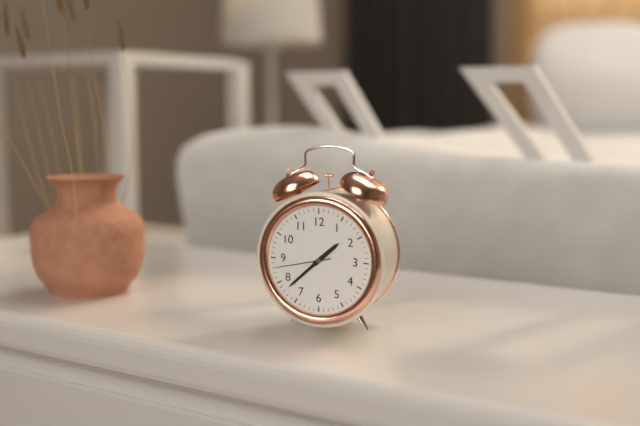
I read 1h38m43s
